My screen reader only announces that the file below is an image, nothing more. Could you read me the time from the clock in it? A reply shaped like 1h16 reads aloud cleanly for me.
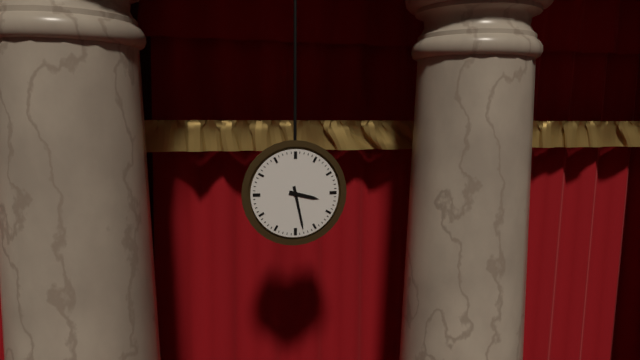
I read 3h28
